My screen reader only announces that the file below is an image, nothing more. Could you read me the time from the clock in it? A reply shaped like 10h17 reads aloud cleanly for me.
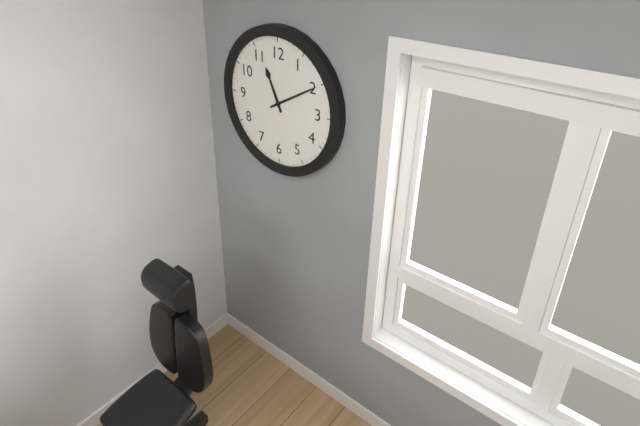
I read 11h10
